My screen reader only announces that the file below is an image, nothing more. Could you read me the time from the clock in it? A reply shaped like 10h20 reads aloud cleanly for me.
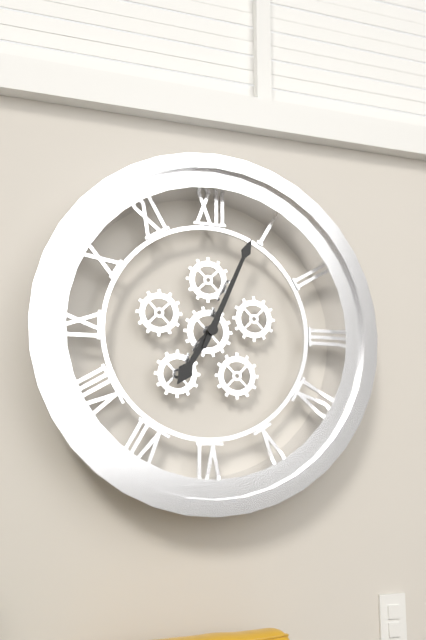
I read 7h04
